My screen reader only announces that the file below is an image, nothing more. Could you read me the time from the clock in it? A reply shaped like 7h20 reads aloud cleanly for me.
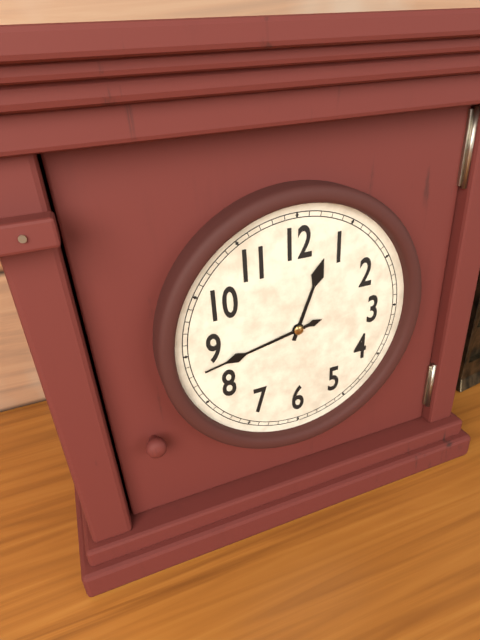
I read 12h43
